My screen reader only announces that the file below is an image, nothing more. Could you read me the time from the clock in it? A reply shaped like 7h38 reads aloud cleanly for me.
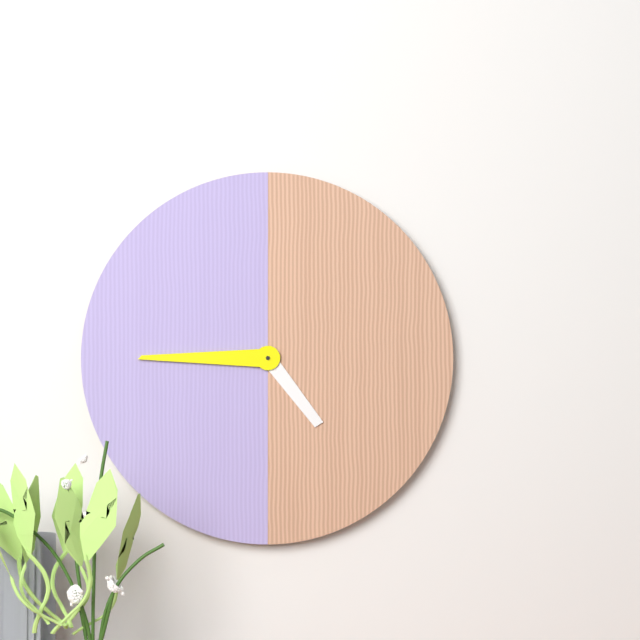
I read 4h45
